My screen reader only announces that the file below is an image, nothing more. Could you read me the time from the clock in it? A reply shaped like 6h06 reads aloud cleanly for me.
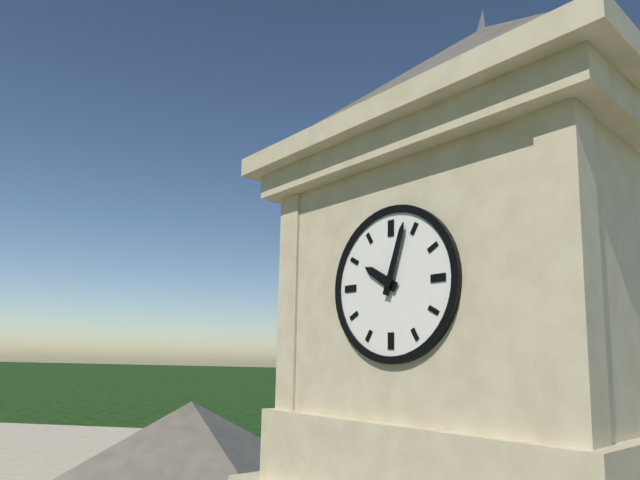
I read 10h03
